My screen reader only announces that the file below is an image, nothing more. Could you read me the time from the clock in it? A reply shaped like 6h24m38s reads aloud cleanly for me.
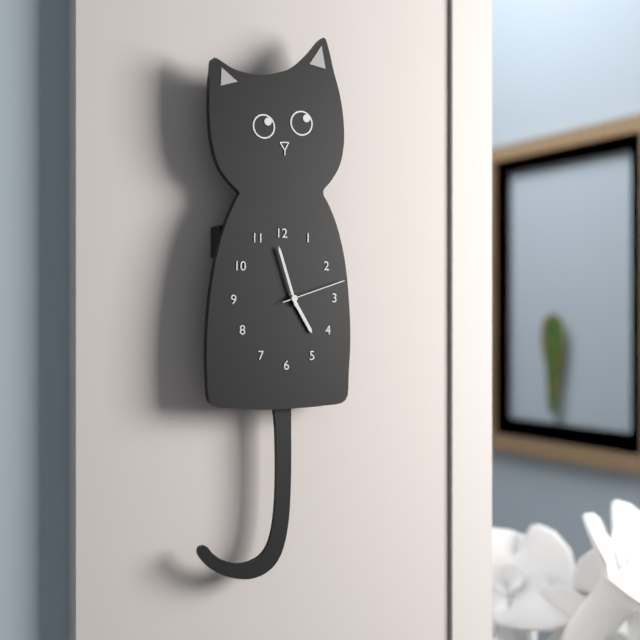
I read 4h57m12s
